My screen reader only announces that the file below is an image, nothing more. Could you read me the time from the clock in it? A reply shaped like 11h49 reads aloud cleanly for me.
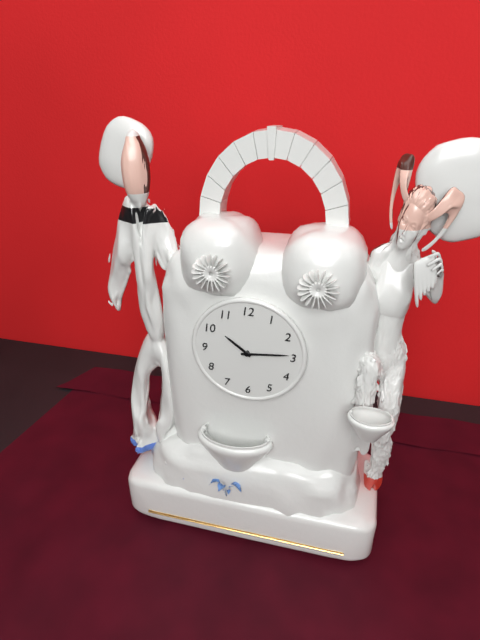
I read 10h14
